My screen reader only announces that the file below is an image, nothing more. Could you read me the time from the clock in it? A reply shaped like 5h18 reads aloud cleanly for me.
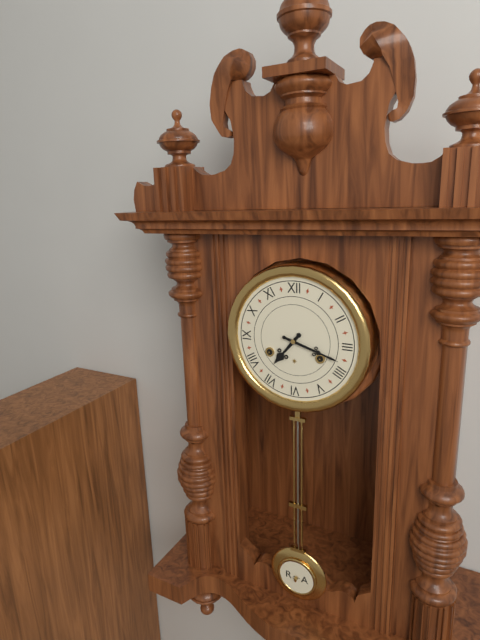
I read 7h18
